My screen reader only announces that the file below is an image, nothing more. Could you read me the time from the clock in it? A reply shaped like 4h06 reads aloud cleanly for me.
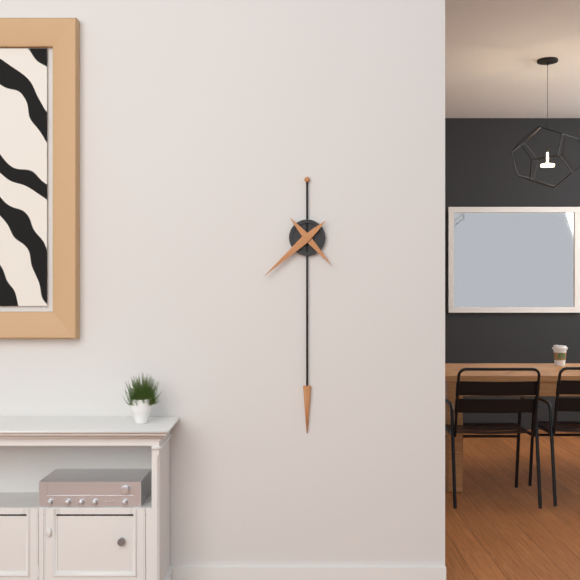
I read 4h38
